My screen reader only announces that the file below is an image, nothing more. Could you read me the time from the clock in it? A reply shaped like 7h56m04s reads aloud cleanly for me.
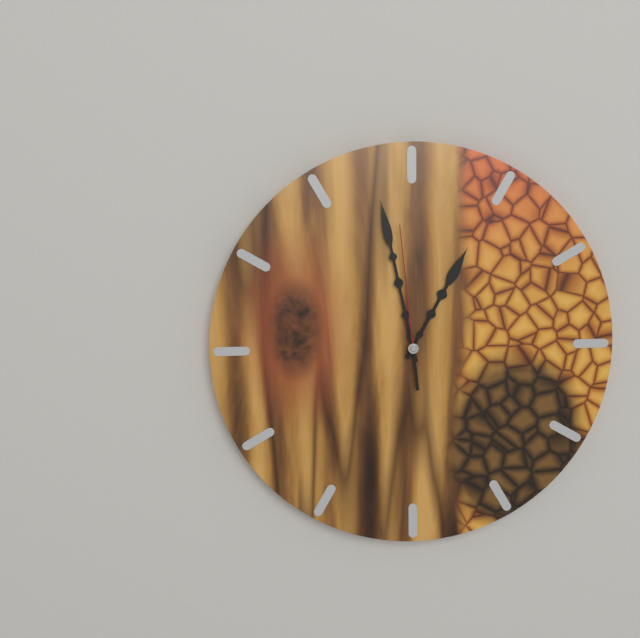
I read 12h58m59s
